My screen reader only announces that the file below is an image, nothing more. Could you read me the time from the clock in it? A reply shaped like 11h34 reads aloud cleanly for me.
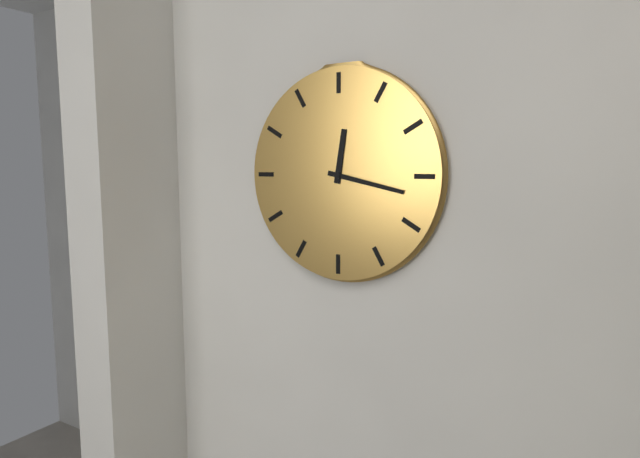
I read 12h17
